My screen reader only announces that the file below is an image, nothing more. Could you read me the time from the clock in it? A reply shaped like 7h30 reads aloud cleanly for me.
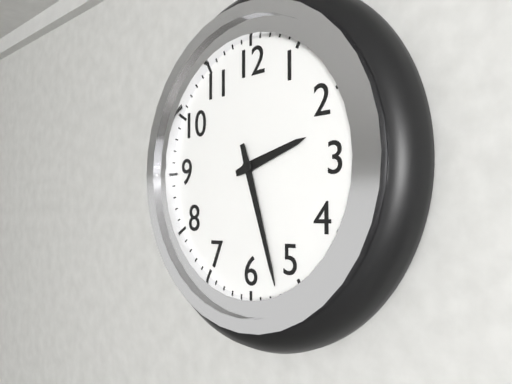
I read 2h27
